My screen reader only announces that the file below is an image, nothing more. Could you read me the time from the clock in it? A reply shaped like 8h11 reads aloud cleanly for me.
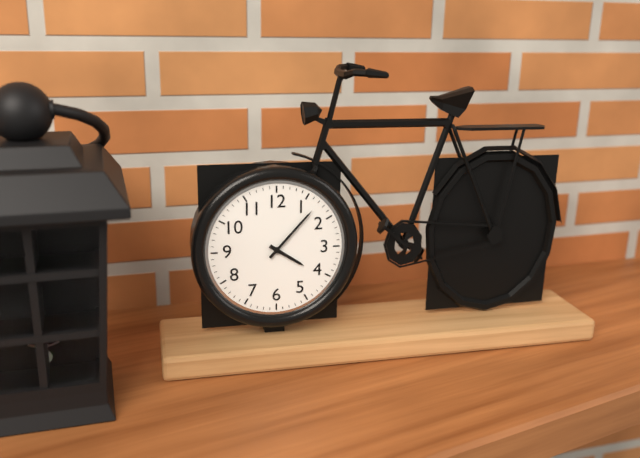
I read 4h07
